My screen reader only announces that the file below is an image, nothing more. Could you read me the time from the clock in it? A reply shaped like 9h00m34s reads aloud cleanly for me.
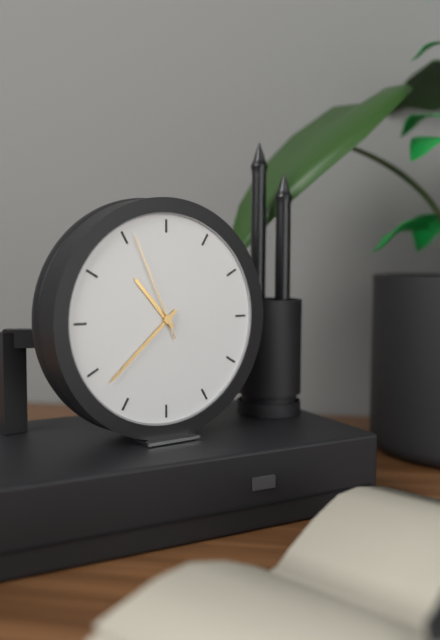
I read 10h38m56s
